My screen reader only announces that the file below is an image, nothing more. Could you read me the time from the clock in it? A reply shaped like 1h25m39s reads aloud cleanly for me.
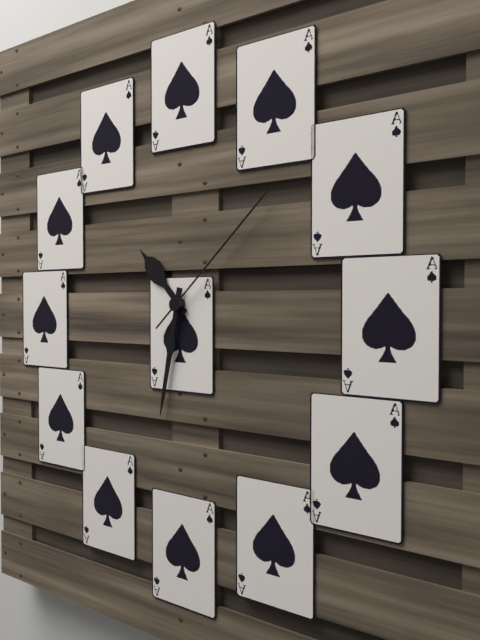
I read 10h32m08s
